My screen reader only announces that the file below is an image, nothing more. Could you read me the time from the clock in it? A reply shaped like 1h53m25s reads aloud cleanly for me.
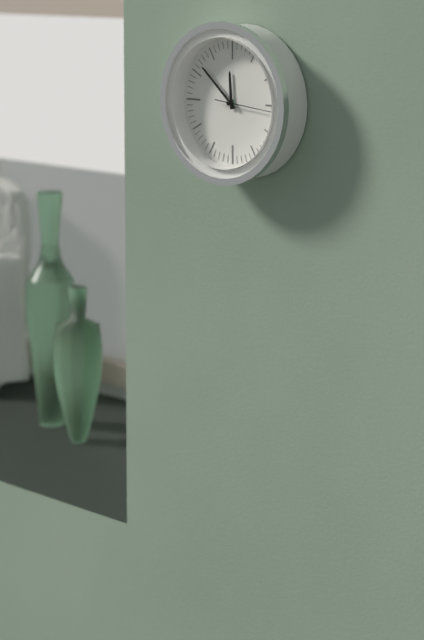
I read 11h52m16s
